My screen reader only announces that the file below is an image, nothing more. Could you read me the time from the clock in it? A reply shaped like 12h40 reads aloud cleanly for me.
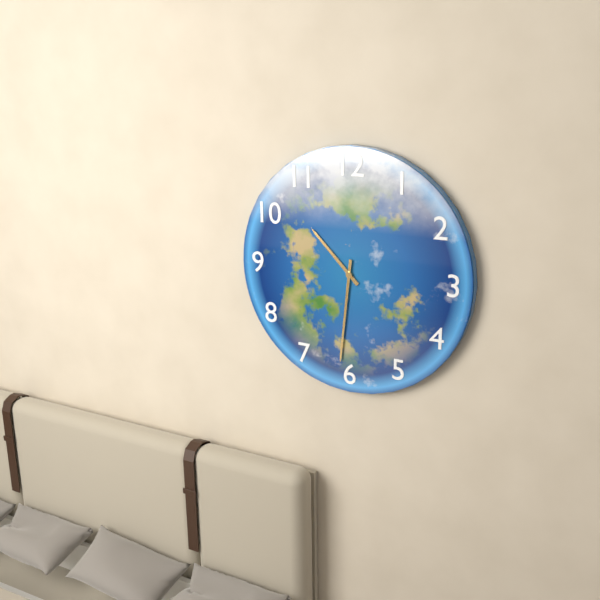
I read 10h31
